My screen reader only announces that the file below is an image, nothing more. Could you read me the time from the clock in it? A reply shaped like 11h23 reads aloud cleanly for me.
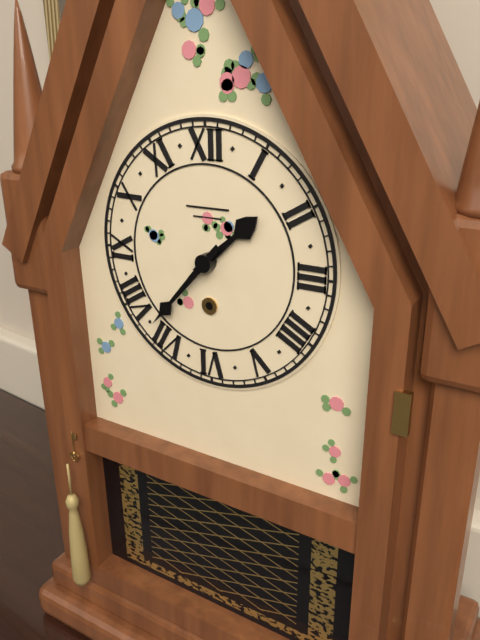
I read 1h37
